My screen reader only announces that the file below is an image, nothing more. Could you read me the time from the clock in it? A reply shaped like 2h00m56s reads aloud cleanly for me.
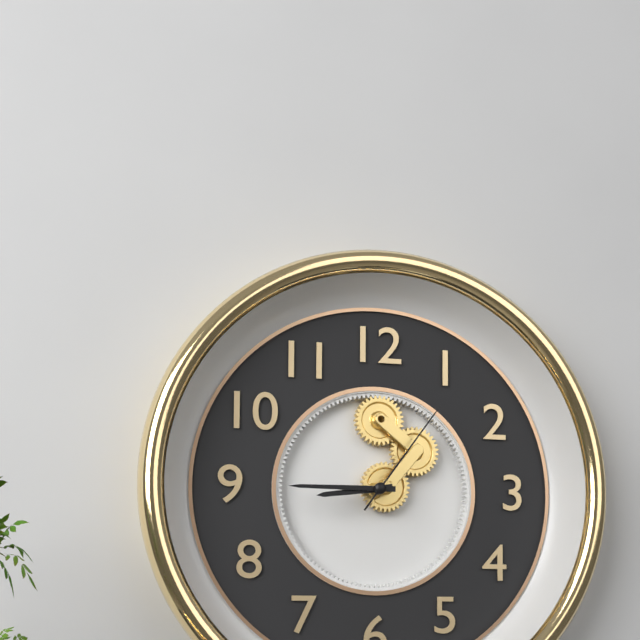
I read 8h45m06s
